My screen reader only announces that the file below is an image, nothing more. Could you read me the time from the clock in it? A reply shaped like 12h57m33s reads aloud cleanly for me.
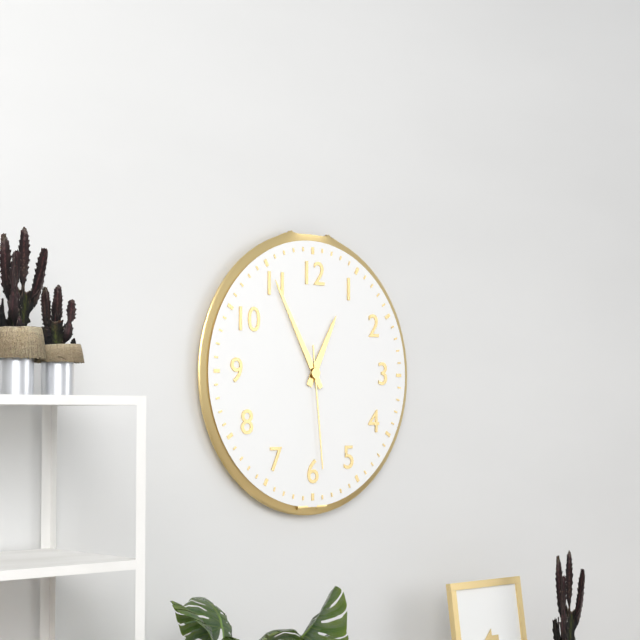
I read 12h55m29s
